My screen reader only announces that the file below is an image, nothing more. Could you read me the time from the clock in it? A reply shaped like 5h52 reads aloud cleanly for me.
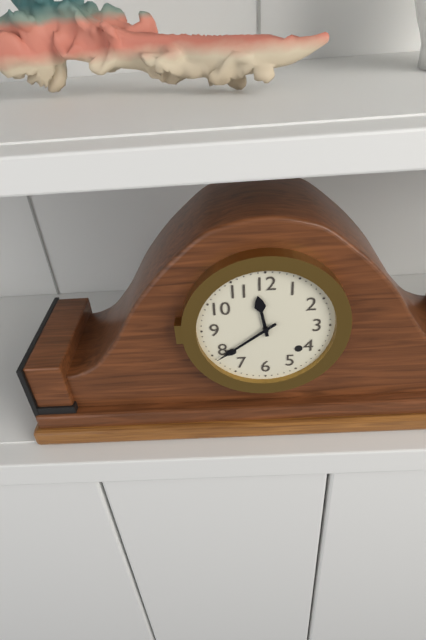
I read 11h39
